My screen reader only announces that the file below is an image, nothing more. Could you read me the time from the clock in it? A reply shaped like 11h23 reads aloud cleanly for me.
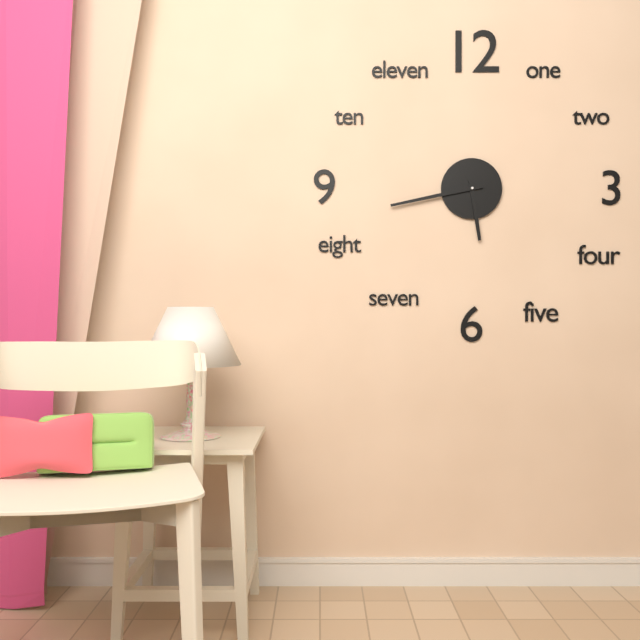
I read 5h43
